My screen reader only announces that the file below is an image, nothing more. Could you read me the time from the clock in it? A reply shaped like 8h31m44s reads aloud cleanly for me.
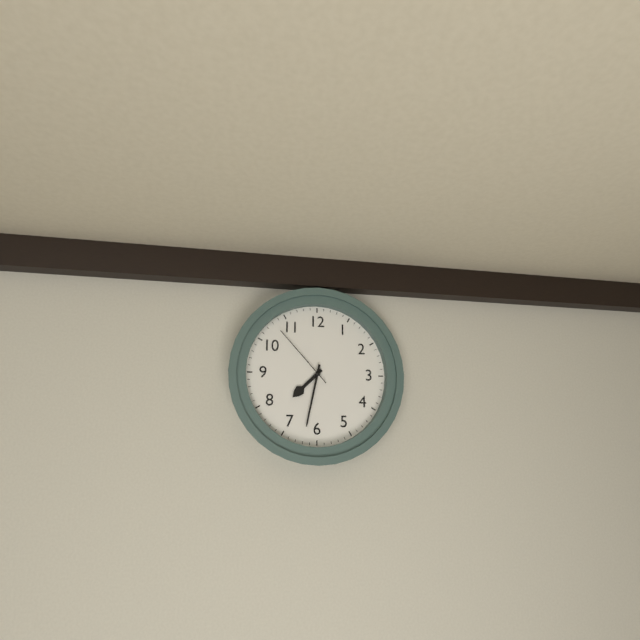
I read 7h32m53s
